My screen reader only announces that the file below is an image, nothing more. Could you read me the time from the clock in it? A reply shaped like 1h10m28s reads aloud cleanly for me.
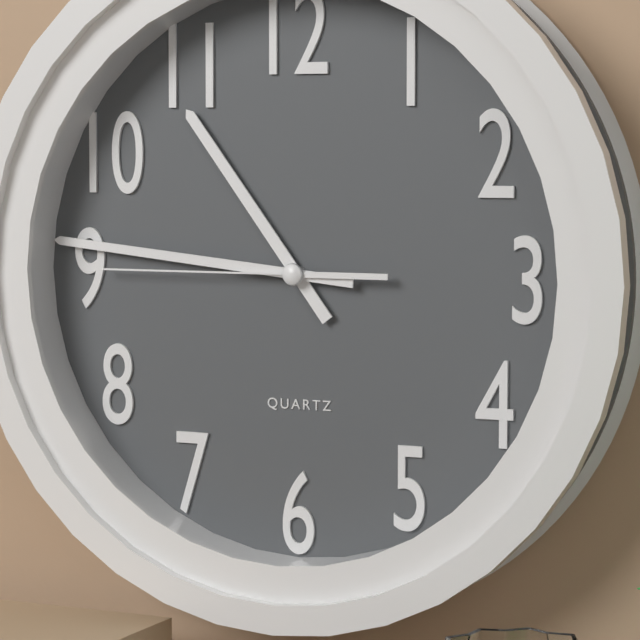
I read 10h46m45s
